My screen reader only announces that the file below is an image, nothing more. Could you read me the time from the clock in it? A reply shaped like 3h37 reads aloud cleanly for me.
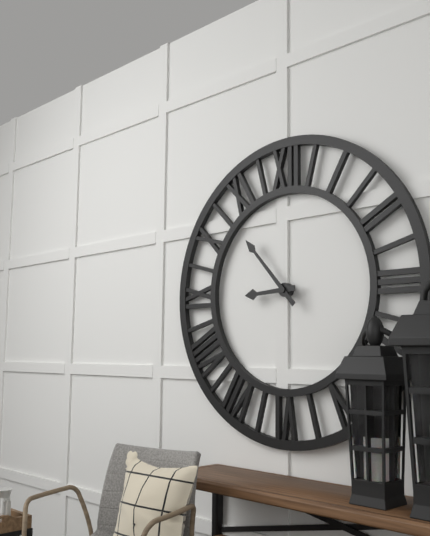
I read 8h53
